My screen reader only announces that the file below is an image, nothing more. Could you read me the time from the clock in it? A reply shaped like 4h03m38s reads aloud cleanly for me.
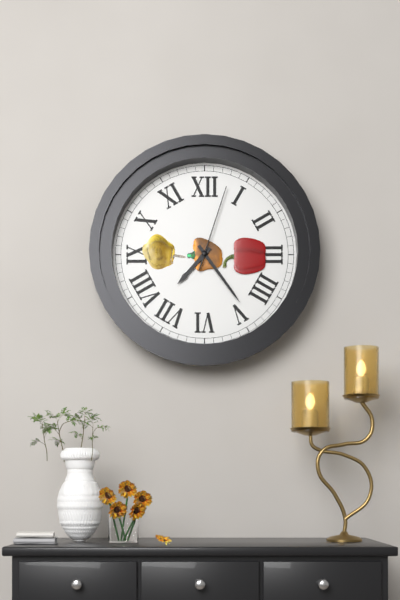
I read 7h24m03s
